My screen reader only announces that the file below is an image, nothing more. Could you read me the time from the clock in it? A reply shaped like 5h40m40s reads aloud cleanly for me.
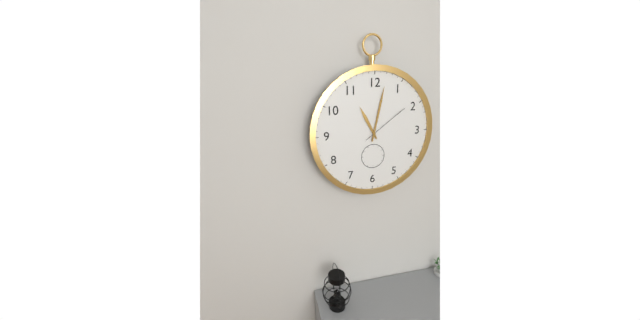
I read 11h02m09s
